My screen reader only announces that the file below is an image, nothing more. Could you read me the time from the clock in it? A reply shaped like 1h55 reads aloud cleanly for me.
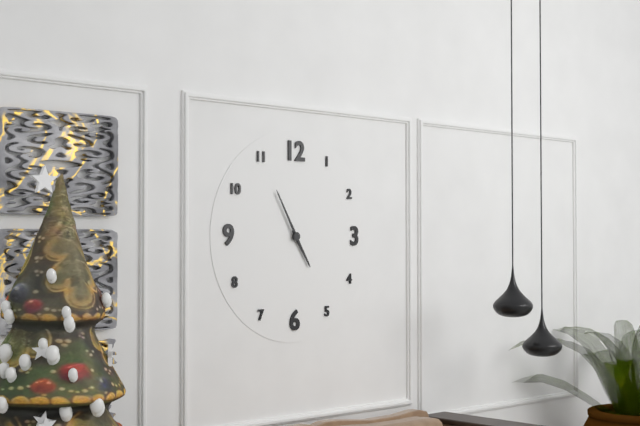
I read 4h55
